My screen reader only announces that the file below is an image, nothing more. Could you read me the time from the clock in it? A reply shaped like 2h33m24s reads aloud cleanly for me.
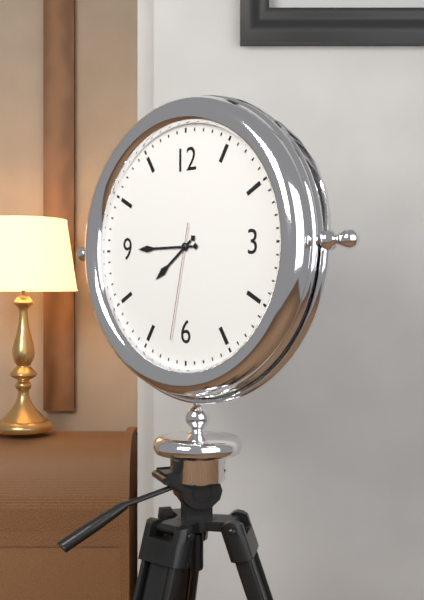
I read 7h45m32s
